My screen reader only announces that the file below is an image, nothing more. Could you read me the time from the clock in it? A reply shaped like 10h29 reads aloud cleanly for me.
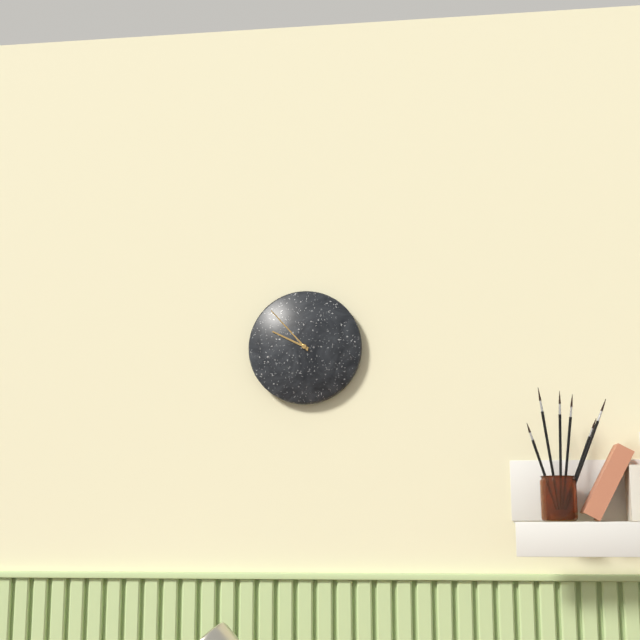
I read 9h53
